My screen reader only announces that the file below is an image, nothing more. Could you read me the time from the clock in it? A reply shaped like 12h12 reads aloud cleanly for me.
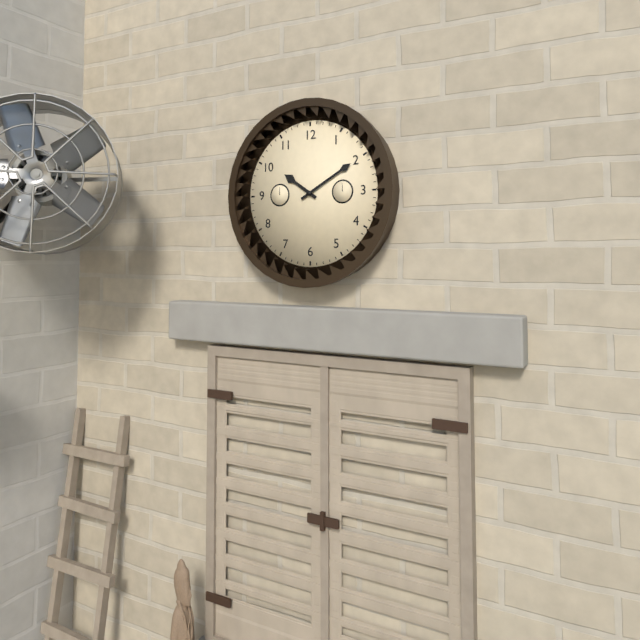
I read 10h10
